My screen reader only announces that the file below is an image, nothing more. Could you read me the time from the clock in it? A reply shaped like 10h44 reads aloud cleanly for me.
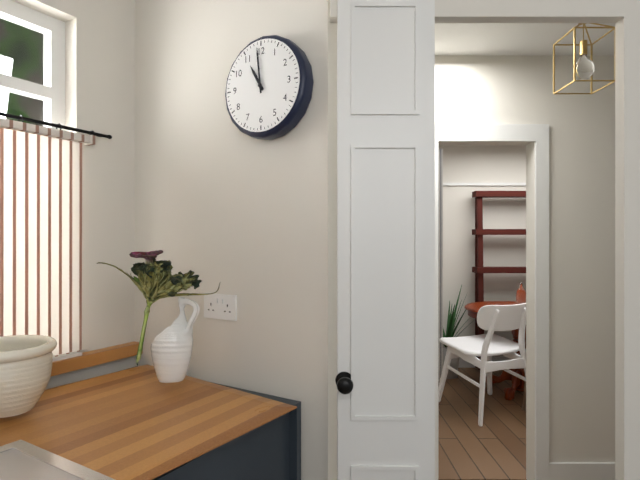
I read 10h59
